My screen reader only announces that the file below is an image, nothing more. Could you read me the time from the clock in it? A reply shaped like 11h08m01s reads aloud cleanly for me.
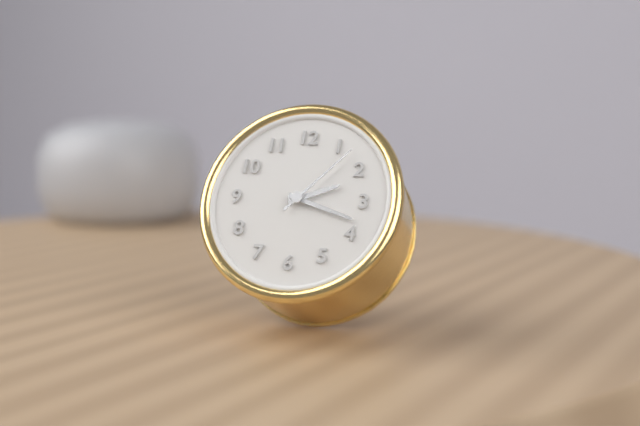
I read 2h18m07s
